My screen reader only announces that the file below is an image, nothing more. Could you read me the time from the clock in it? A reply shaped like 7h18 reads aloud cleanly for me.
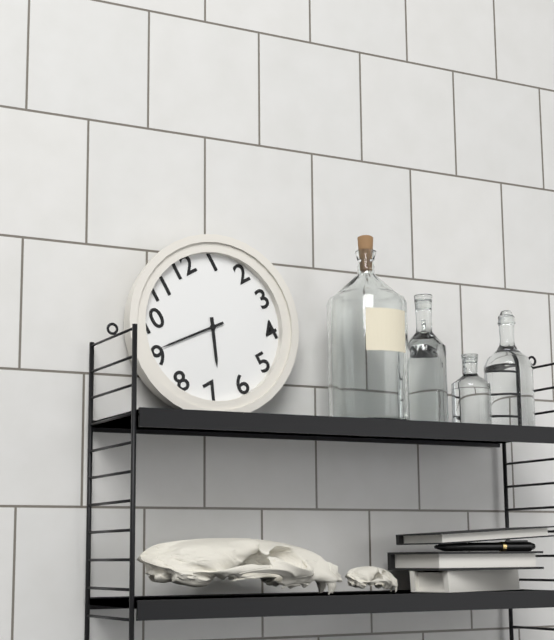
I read 6h46
